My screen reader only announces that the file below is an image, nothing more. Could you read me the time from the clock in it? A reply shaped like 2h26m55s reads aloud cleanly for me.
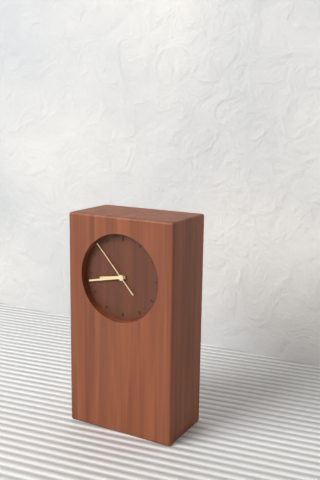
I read 8h43m53s
